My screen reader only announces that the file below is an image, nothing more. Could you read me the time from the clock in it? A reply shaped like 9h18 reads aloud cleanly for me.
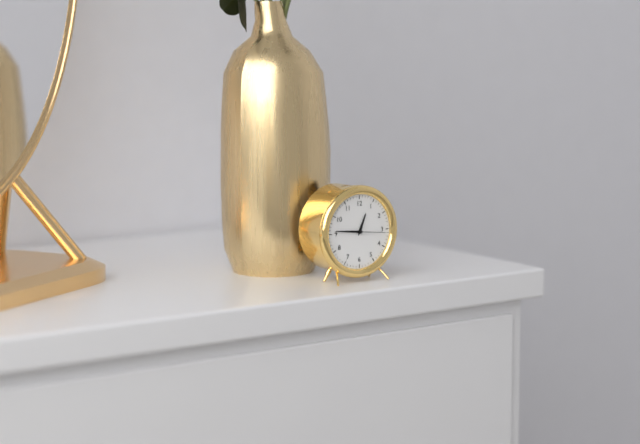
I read 12h46
